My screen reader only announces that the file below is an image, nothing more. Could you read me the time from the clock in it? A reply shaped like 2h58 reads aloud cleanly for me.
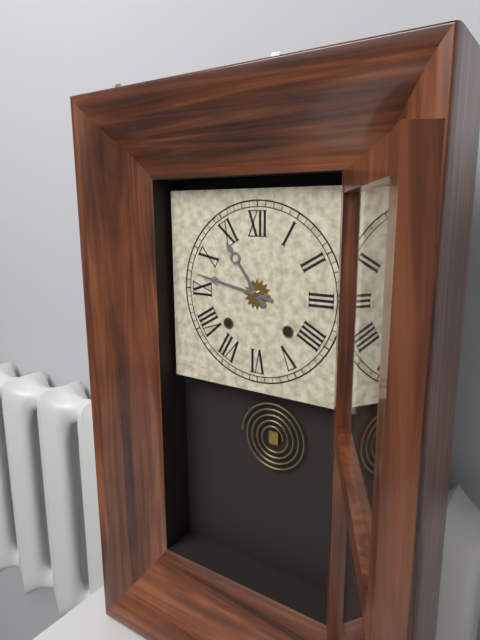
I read 10h47
